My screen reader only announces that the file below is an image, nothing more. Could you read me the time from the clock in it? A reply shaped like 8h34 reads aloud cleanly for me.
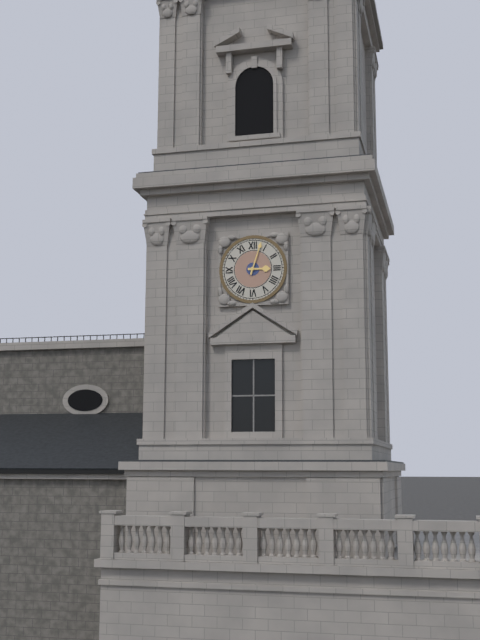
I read 3h03
